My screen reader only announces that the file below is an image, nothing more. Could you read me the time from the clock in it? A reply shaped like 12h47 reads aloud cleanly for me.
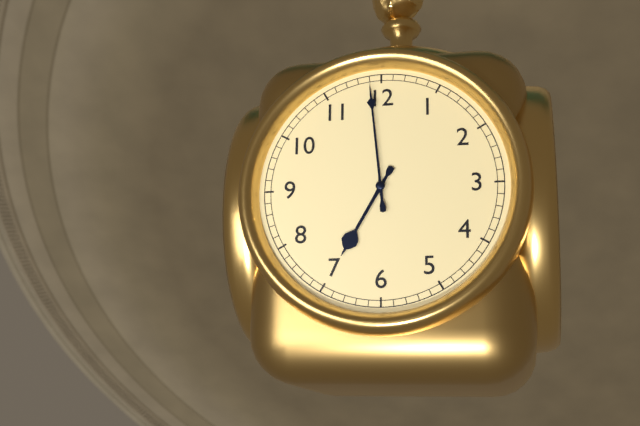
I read 6h59
